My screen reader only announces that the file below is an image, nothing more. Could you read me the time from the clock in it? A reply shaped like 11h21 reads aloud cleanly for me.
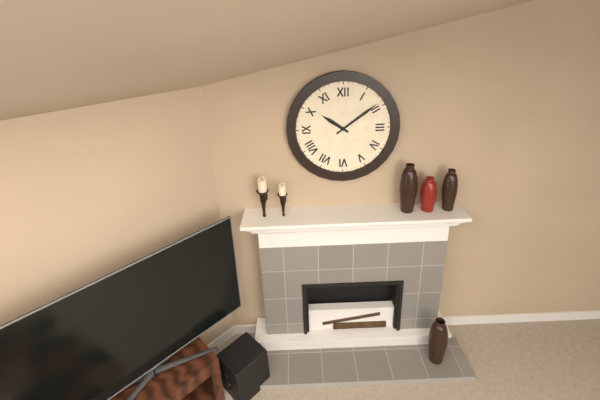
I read 10h09
